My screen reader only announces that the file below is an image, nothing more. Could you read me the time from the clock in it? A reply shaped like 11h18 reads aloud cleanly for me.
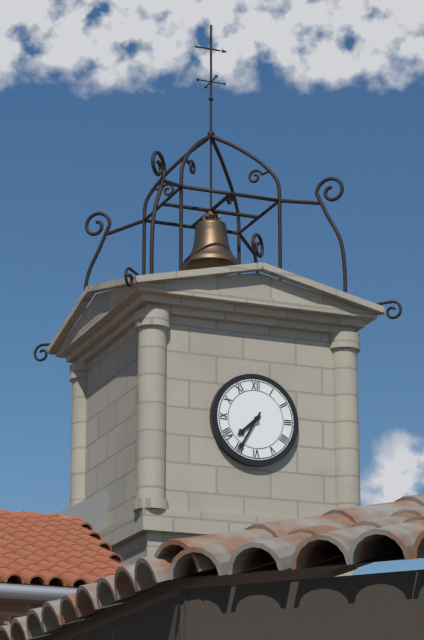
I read 7h35
